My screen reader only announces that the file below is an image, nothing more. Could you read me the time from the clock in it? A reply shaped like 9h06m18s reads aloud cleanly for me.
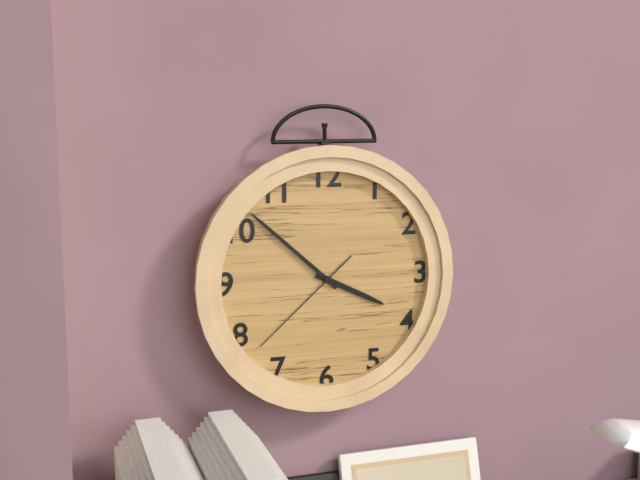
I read 3h52m38s
